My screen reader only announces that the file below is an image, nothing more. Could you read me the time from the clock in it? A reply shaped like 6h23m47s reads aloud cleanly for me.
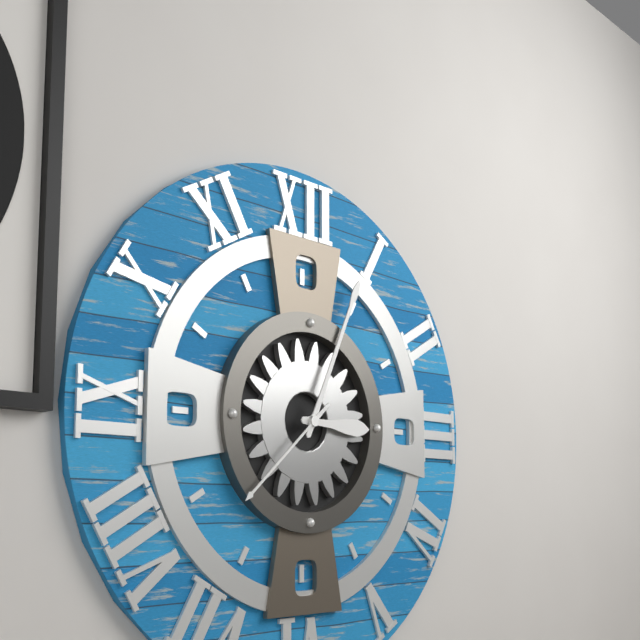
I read 3h04m38s
